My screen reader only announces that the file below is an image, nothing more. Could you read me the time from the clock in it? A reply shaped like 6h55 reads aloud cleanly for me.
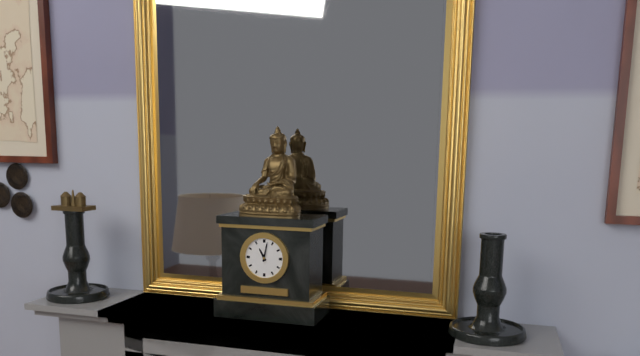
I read 11h02
